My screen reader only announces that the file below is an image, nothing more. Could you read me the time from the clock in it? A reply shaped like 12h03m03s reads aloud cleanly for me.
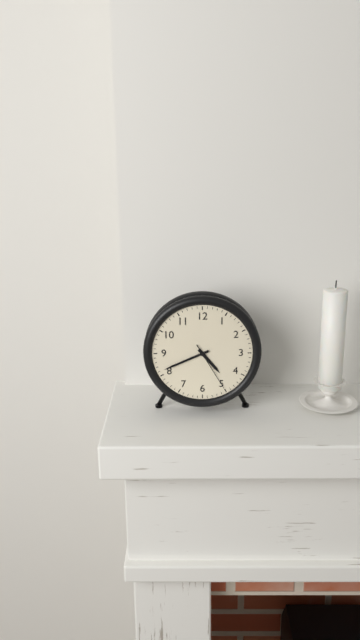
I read 4h41m25s
